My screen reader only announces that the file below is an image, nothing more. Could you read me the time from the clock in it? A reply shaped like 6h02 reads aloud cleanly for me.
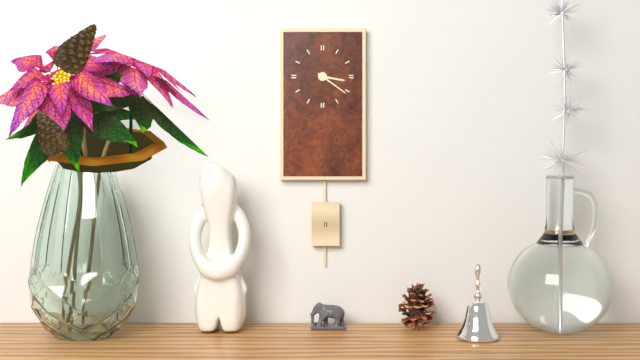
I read 3h21
